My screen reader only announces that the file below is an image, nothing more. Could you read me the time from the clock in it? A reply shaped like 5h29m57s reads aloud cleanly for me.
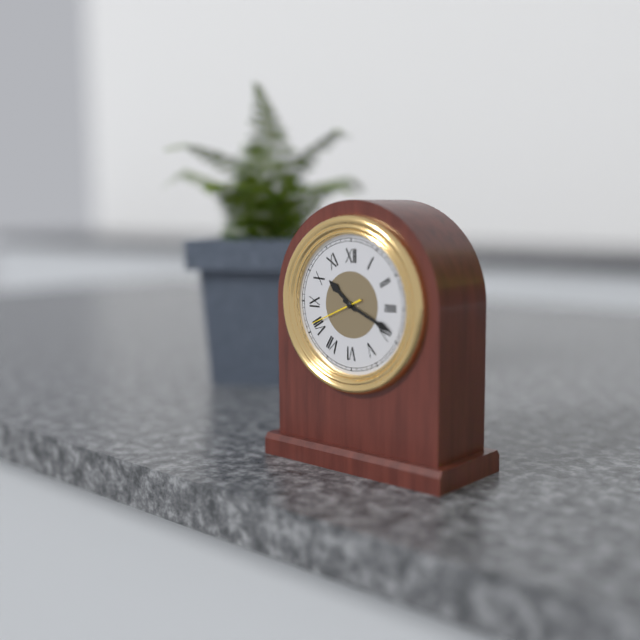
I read 10h19m41s
